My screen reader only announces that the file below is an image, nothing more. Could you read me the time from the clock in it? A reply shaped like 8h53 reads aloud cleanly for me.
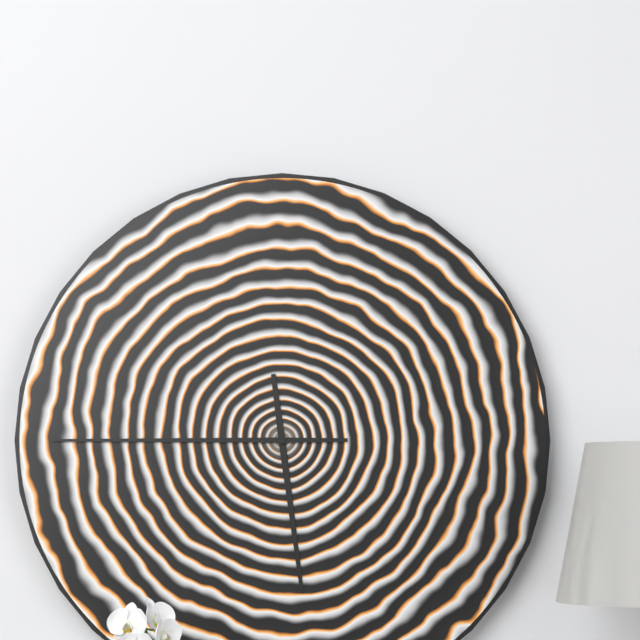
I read 5h45
